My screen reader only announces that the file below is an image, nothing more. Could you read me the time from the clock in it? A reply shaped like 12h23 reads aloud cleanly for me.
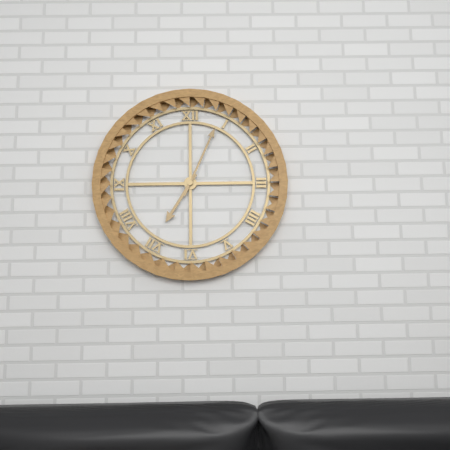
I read 7h04
